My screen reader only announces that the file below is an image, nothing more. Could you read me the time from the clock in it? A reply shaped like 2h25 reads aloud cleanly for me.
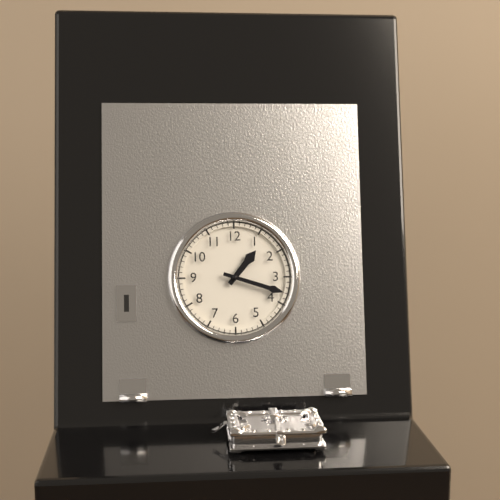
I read 1h18
